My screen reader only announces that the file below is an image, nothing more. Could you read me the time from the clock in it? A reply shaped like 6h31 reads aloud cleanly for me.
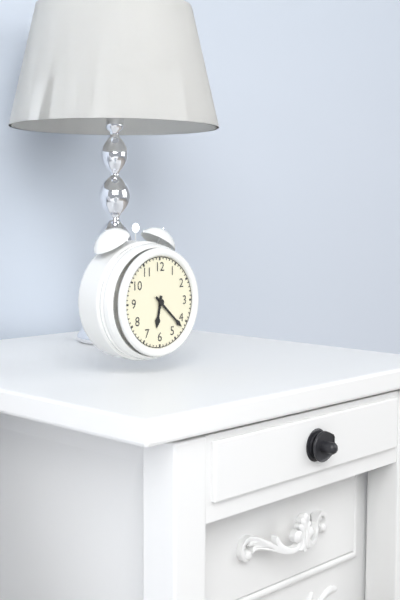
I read 6h22
